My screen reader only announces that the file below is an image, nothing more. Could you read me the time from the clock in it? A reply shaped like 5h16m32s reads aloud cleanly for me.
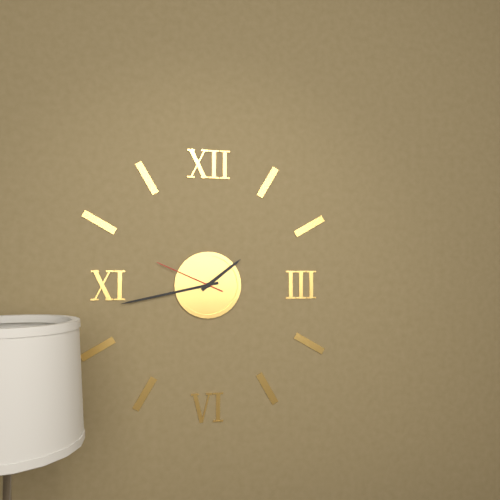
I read 1h43m49s
